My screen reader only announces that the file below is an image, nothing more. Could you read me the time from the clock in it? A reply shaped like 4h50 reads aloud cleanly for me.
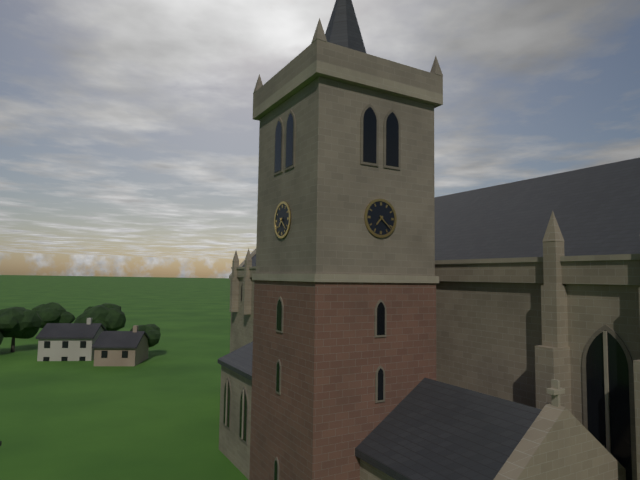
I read 7h22
